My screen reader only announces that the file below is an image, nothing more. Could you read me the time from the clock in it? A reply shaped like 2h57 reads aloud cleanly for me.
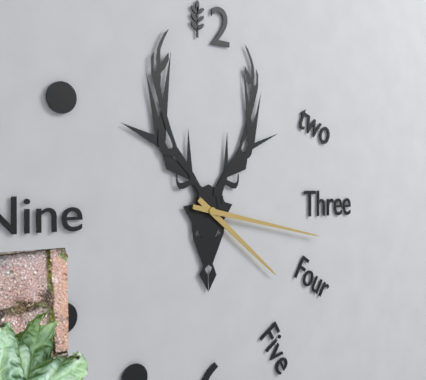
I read 4h17
